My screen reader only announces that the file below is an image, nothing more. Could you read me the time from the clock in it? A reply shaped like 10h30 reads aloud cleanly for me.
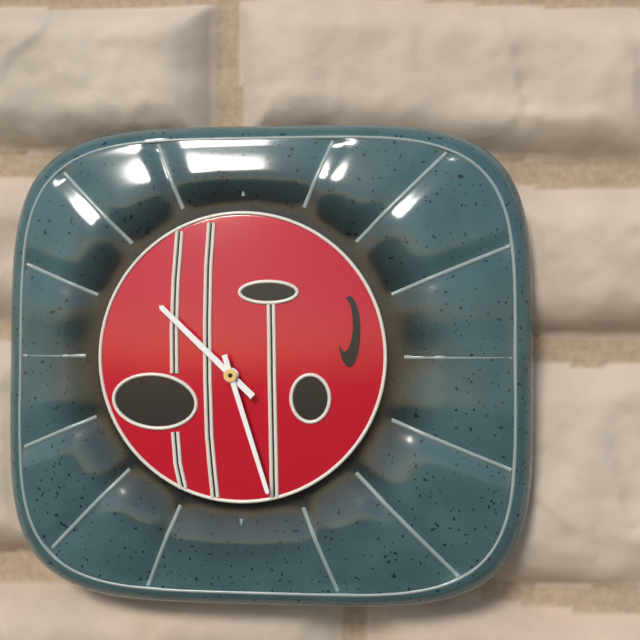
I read 10h27
